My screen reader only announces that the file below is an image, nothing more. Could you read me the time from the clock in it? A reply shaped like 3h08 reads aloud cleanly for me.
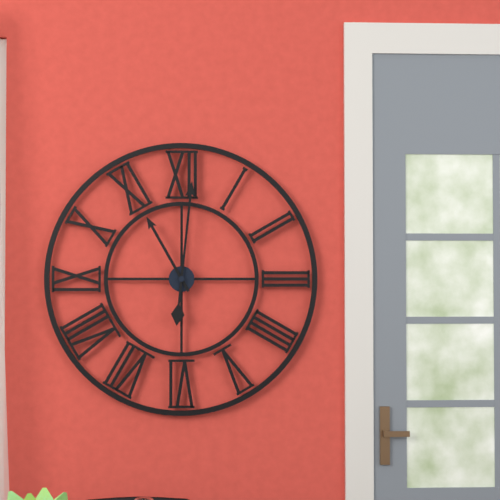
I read 11h01
